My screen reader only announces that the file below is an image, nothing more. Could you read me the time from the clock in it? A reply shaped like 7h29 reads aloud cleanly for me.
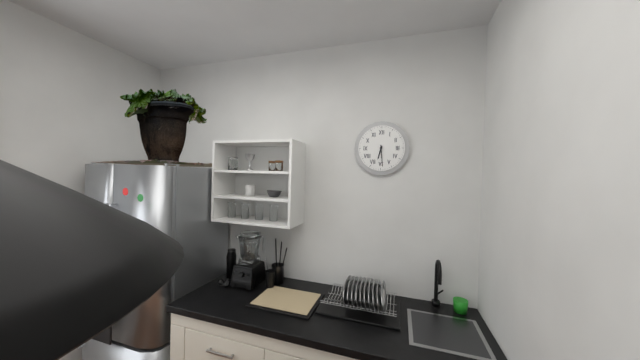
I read 6h29
